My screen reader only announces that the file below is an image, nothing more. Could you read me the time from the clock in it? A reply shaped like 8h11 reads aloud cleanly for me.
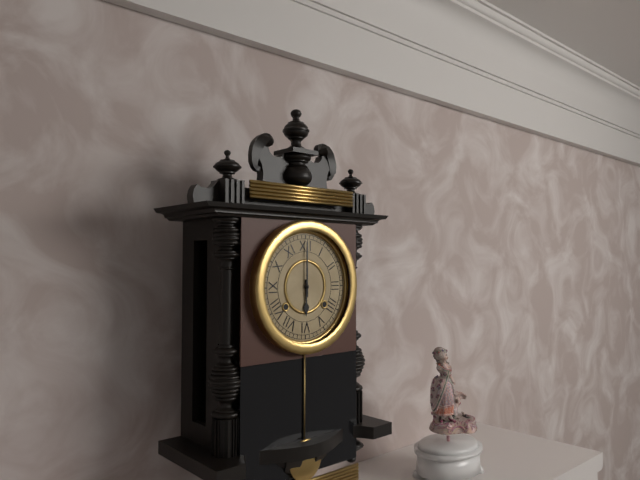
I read 6h00
